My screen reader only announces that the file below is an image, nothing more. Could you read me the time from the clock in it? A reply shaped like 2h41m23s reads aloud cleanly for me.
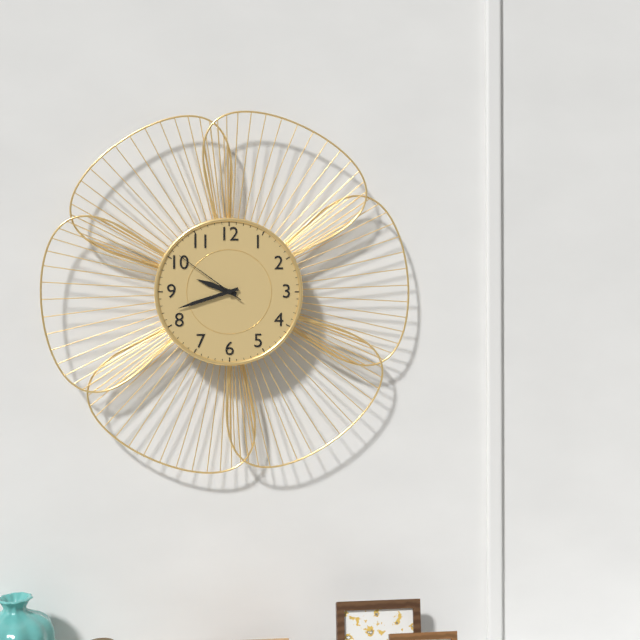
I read 9h42m51s
